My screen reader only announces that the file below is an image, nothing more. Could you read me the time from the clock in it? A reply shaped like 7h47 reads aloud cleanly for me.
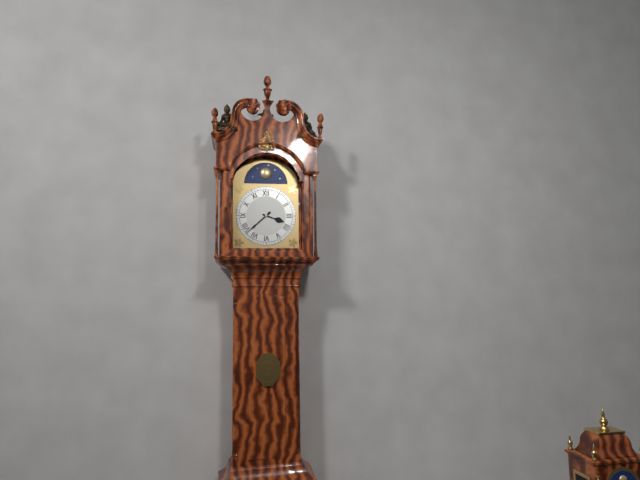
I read 3h38
